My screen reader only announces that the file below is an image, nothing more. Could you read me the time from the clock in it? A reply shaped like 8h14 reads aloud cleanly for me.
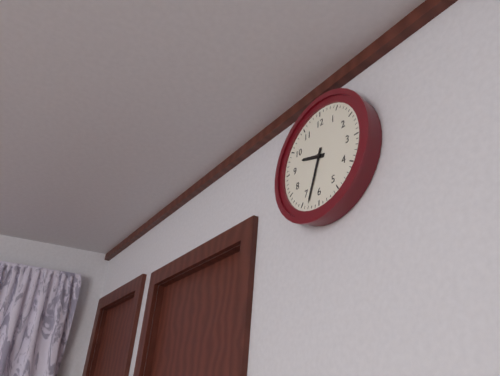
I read 9h33
